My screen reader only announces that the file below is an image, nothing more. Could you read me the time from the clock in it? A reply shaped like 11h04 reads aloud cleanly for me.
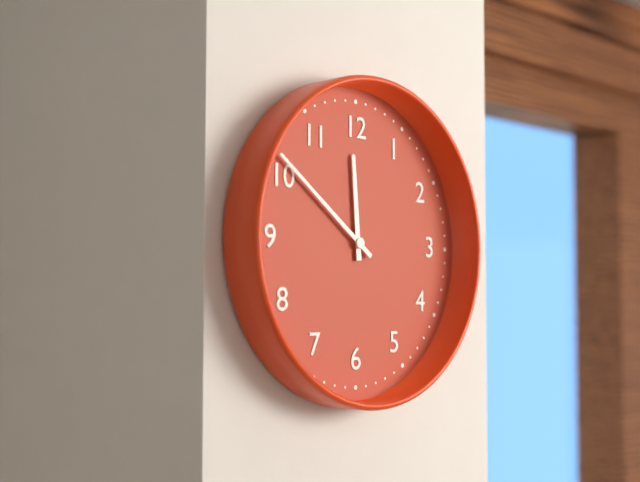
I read 11h51
